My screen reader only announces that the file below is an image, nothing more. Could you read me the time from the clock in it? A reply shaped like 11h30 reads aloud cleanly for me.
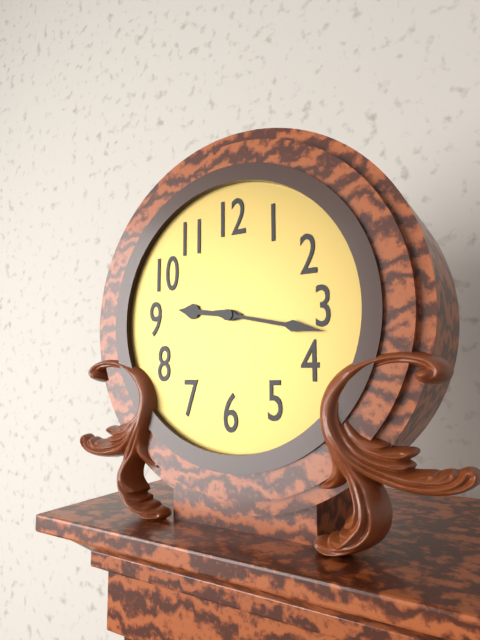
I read 9h17
